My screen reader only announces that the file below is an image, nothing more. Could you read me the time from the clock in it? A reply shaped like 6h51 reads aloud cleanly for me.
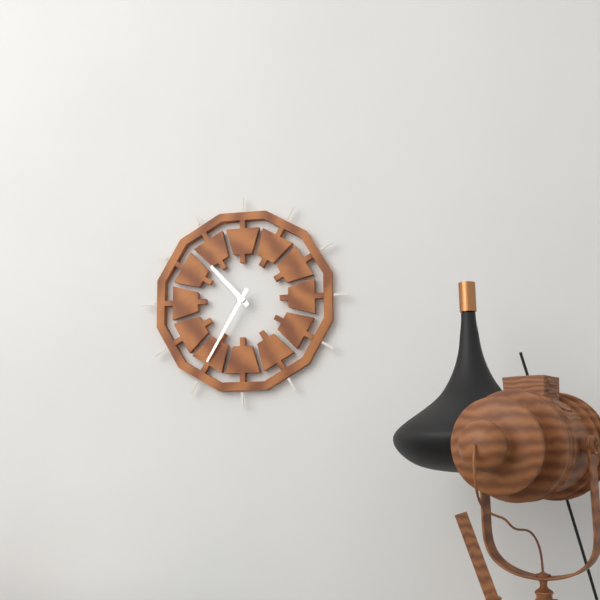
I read 10h35
